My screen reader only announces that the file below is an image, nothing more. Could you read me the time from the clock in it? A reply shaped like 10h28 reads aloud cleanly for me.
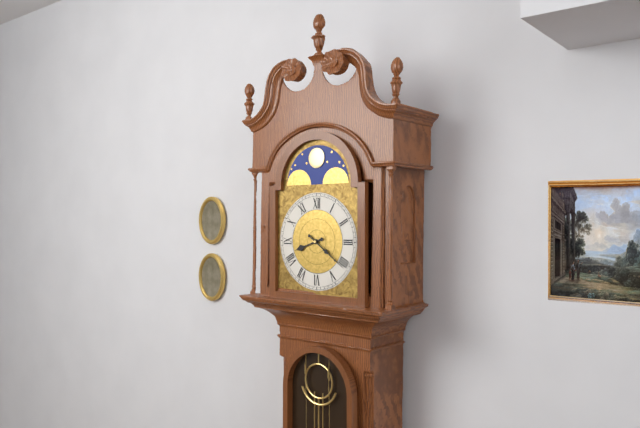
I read 8h21
